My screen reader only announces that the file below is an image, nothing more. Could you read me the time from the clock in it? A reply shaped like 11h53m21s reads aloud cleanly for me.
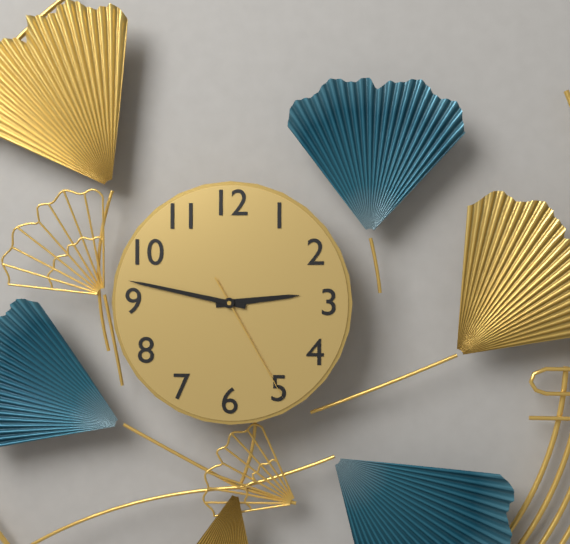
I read 2h47m25s
